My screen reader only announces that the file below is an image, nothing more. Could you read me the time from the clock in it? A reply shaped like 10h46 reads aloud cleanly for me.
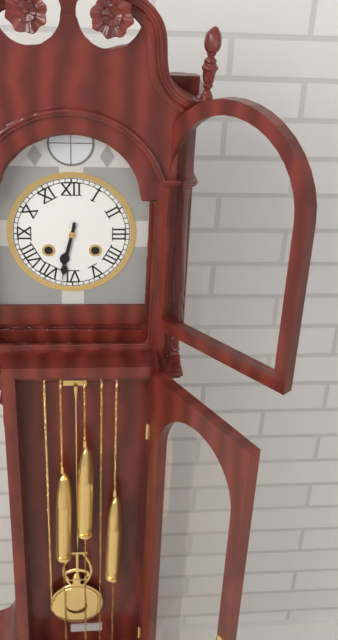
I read 6h32
